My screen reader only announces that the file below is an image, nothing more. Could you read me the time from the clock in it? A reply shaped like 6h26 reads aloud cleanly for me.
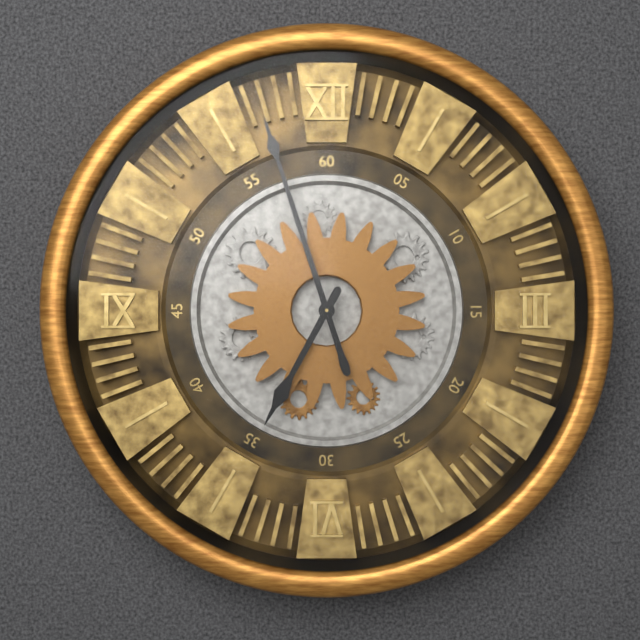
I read 6h57
